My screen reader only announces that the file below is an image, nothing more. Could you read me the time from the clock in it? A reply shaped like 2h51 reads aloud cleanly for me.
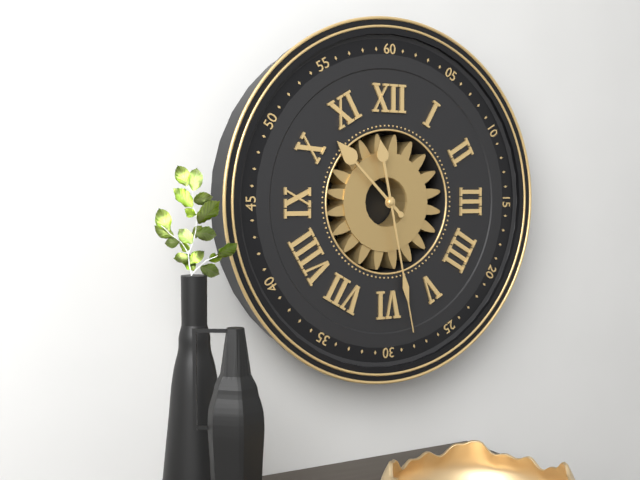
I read 10h28
